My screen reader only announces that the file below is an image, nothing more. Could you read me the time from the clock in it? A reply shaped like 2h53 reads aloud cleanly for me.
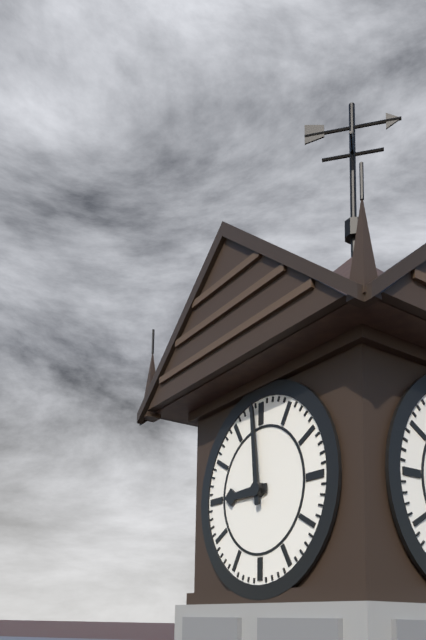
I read 8h59
